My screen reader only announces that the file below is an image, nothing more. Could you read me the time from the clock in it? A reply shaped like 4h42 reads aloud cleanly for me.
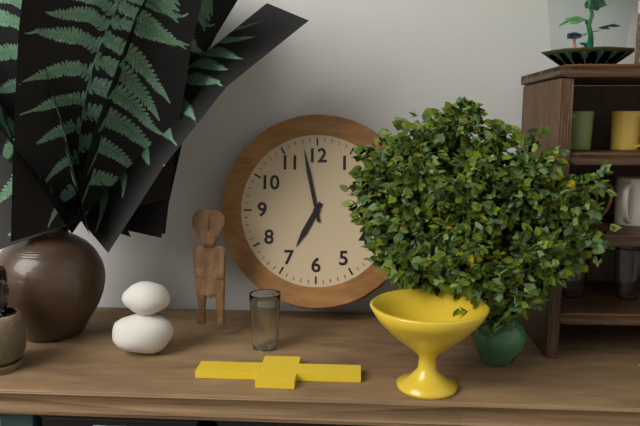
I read 6h58
